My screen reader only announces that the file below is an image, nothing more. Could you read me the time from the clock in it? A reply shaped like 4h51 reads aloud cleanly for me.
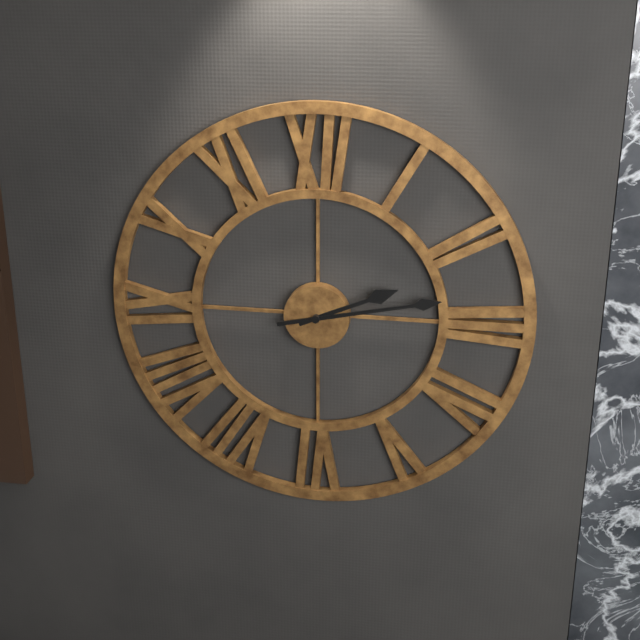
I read 2h13
